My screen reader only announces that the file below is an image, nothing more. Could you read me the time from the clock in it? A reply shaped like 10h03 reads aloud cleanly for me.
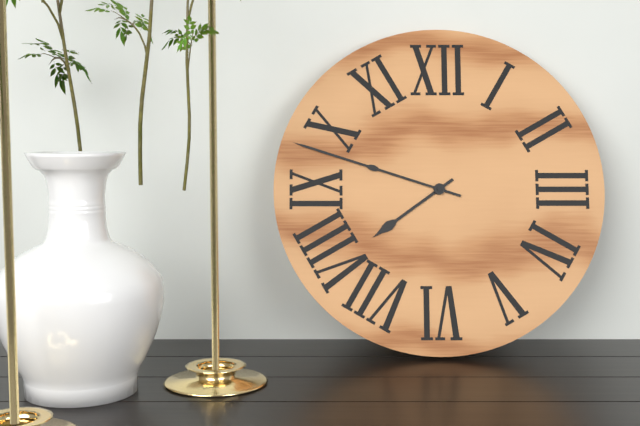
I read 7h48
